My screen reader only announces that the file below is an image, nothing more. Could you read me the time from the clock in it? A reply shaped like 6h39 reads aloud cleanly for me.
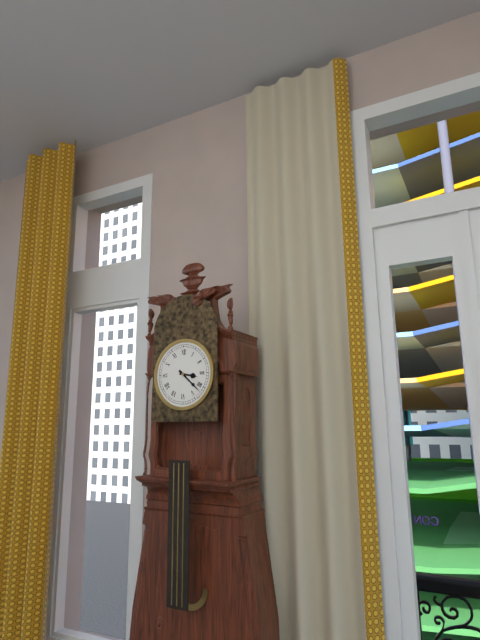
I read 3h22
